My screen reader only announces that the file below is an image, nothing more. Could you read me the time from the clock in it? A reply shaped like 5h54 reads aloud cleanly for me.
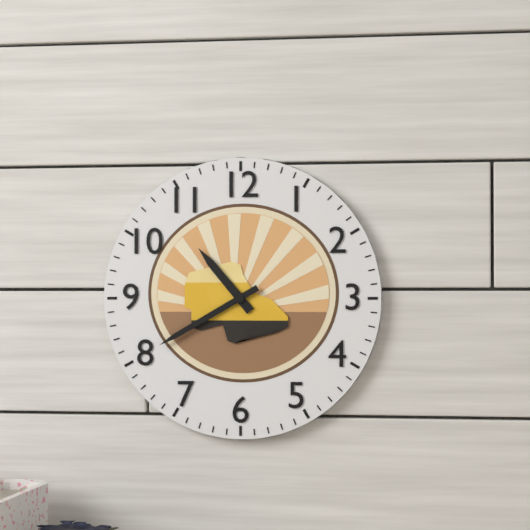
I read 10h40
